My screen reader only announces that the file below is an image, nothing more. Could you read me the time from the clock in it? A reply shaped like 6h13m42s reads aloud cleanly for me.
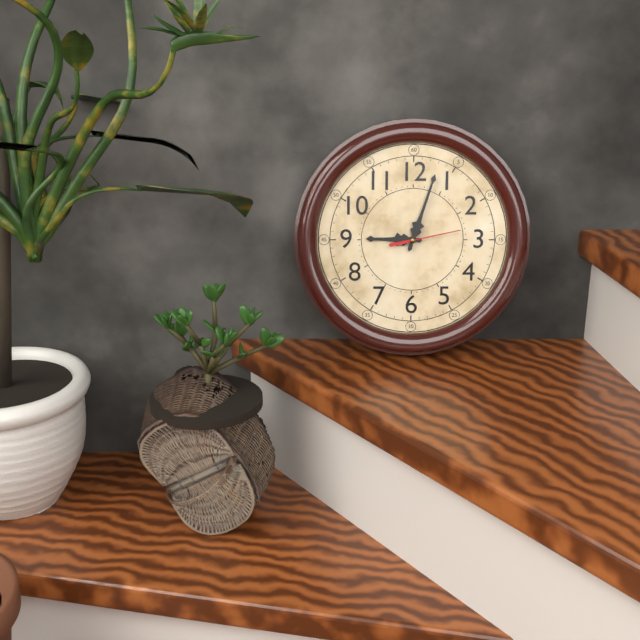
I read 9h03m13s
